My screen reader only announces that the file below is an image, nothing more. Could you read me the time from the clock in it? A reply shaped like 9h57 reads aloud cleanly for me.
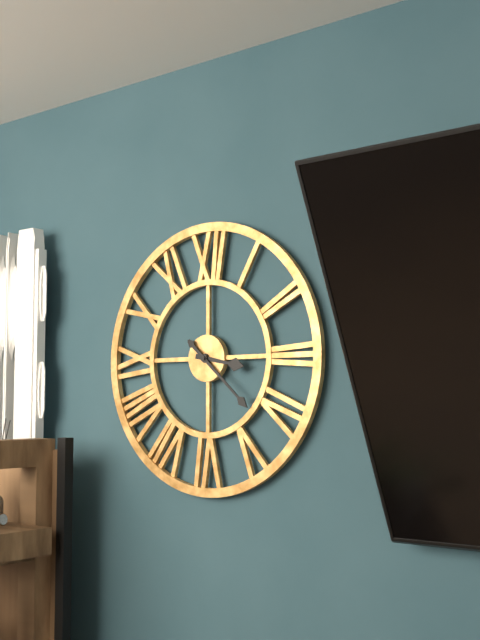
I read 3h22
